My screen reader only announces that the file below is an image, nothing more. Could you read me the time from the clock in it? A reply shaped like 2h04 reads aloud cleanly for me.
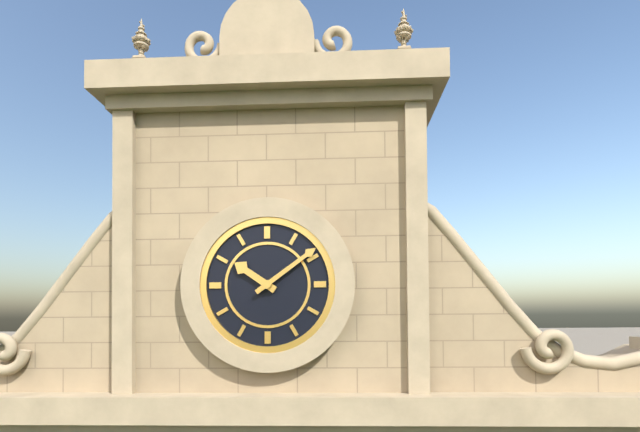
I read 10h09
